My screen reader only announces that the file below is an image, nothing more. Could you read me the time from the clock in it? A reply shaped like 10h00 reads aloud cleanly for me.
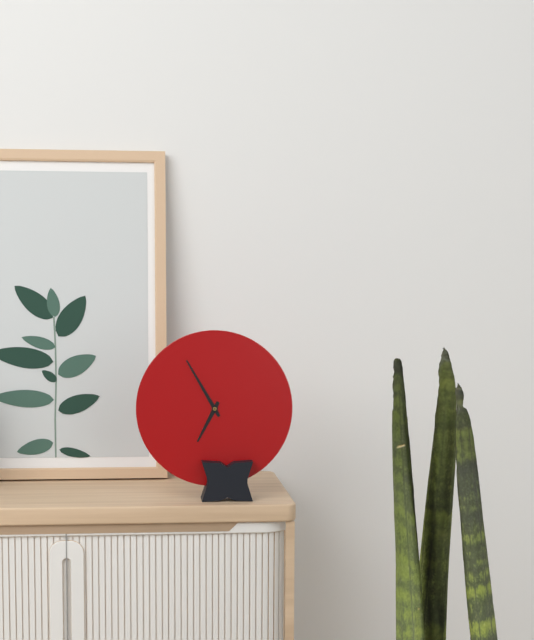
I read 6h55
